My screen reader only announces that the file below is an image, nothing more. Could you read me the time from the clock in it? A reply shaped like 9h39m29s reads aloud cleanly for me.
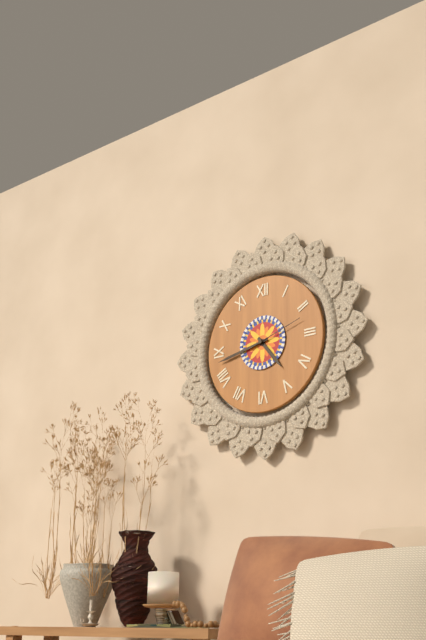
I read 4h43m12s
